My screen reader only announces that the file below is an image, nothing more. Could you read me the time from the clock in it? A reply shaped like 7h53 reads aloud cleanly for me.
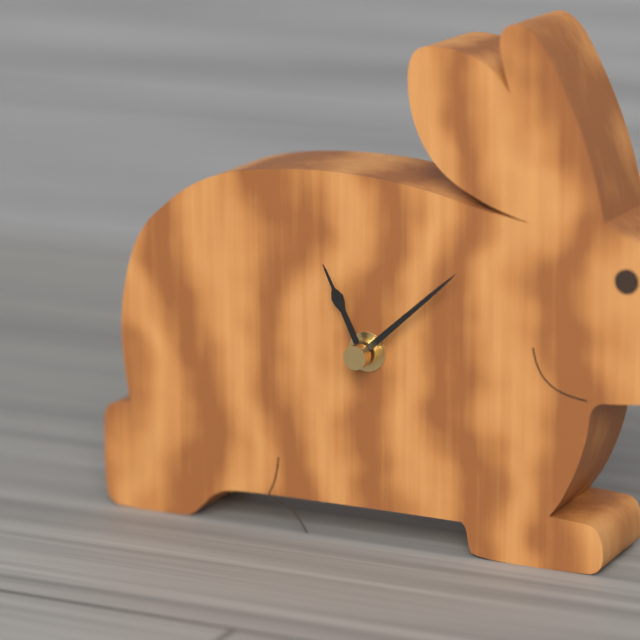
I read 11h08
